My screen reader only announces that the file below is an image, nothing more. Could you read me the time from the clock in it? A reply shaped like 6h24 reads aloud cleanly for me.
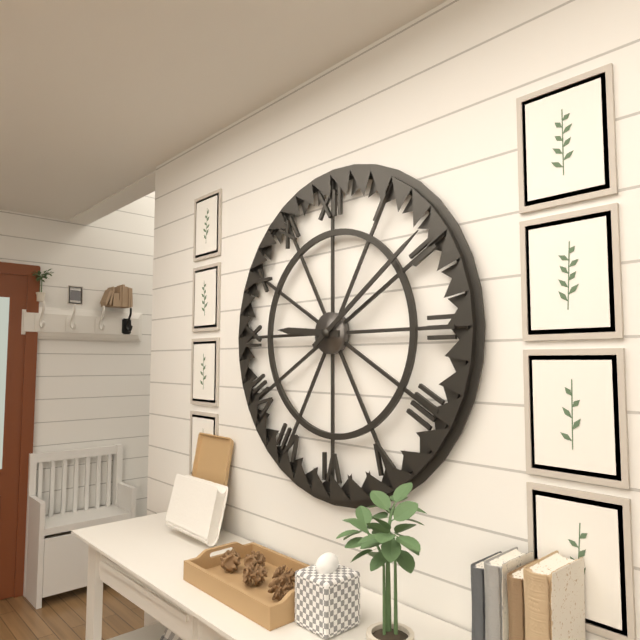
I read 9h09
